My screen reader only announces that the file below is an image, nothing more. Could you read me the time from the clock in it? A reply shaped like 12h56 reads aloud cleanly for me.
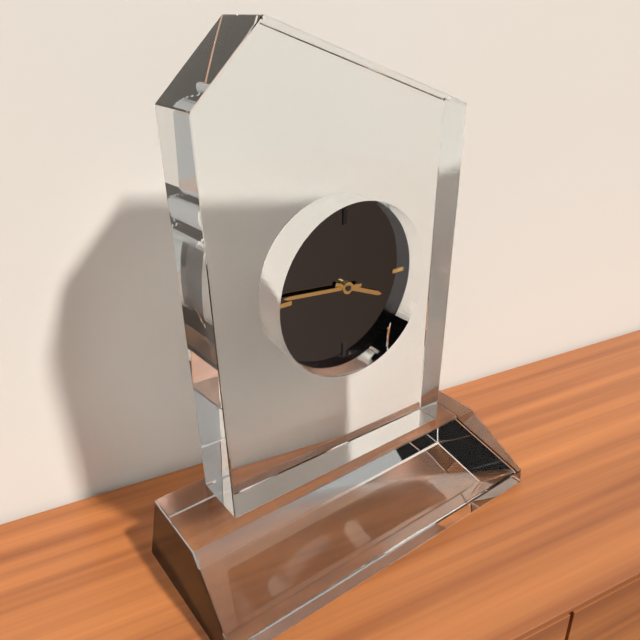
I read 3h46
